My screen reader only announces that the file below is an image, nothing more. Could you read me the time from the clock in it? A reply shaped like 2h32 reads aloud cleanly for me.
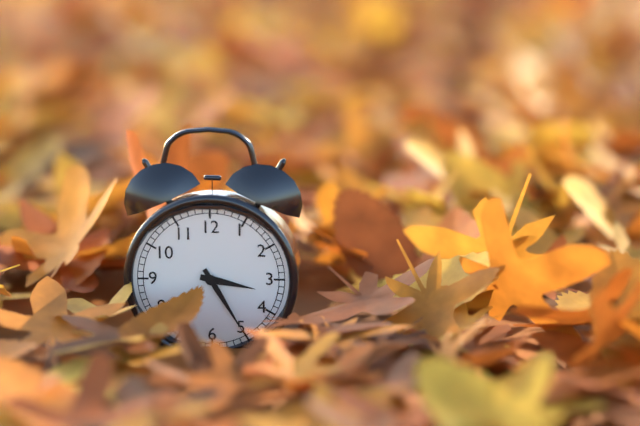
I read 3h25
